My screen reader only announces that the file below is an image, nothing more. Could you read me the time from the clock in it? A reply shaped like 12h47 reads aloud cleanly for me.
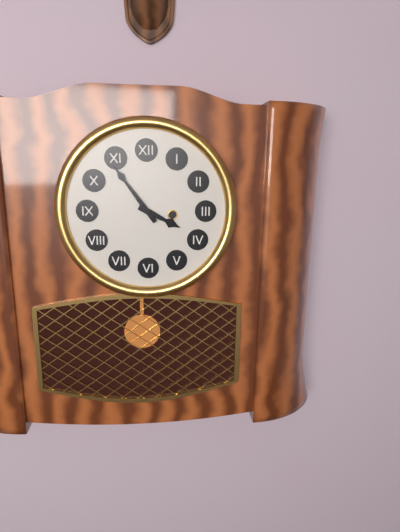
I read 3h54
